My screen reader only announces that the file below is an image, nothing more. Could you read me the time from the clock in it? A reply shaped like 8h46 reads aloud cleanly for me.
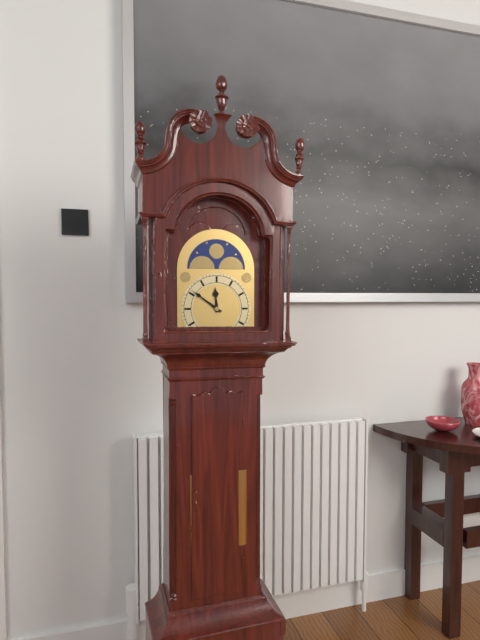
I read 11h51
